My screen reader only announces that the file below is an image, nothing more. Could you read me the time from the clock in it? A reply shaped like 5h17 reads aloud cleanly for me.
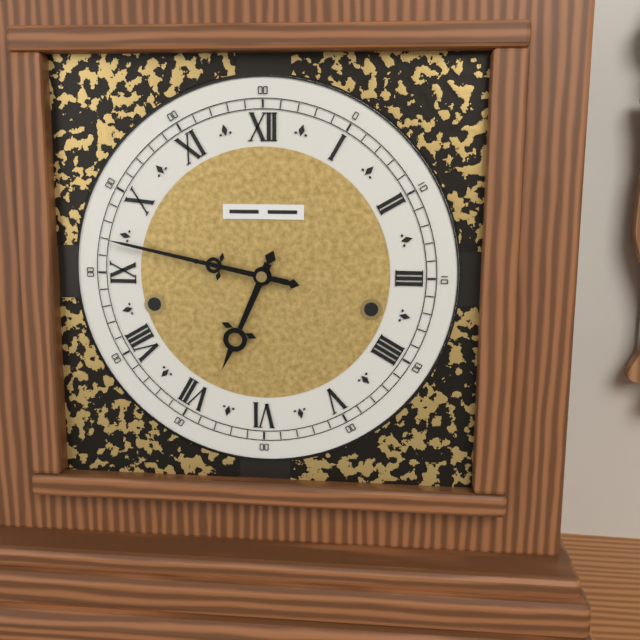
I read 6h47
